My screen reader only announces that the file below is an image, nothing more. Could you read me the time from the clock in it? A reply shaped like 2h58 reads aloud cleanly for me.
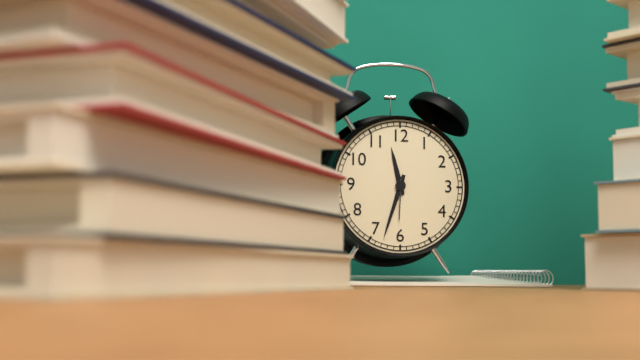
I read 11h33
